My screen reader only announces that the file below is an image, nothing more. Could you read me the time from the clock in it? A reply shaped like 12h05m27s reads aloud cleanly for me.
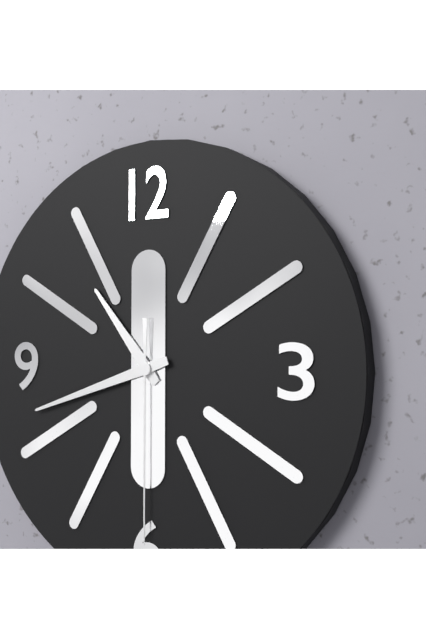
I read 10h42m30s
